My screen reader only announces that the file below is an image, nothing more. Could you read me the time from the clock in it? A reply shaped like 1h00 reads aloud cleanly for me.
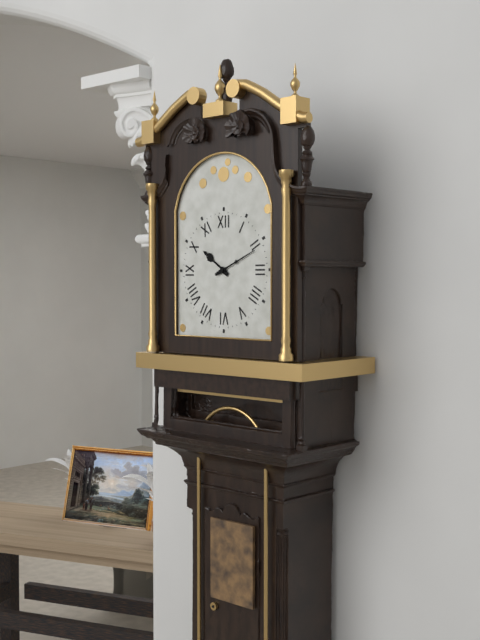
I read 10h11
